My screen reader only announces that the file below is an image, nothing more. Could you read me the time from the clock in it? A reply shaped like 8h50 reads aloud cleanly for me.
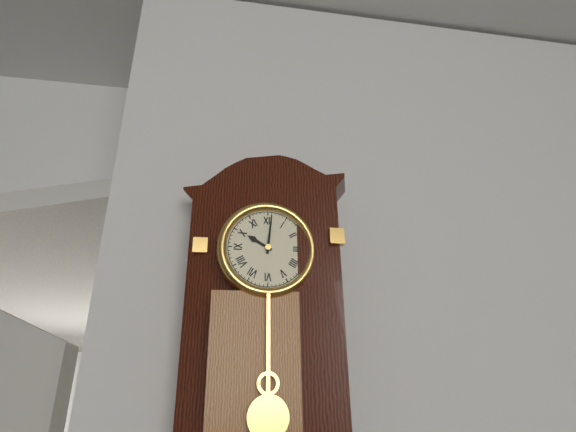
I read 10h01
